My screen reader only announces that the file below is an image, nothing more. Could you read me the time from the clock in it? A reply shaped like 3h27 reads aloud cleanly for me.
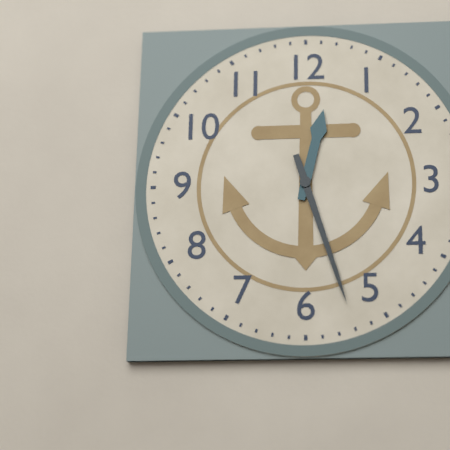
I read 12h27
